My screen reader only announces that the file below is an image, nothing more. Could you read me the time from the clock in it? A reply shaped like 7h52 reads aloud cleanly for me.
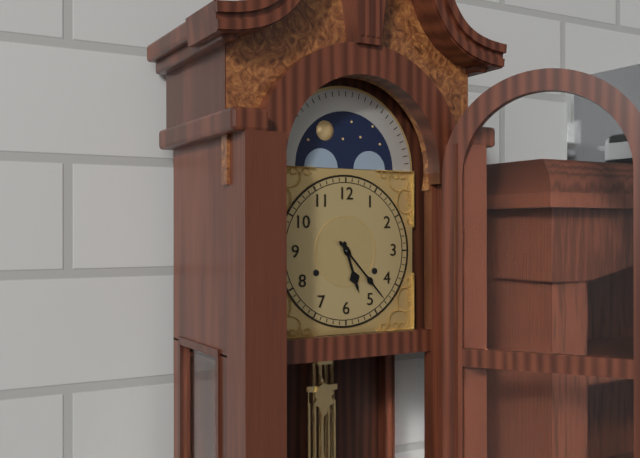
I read 5h23
